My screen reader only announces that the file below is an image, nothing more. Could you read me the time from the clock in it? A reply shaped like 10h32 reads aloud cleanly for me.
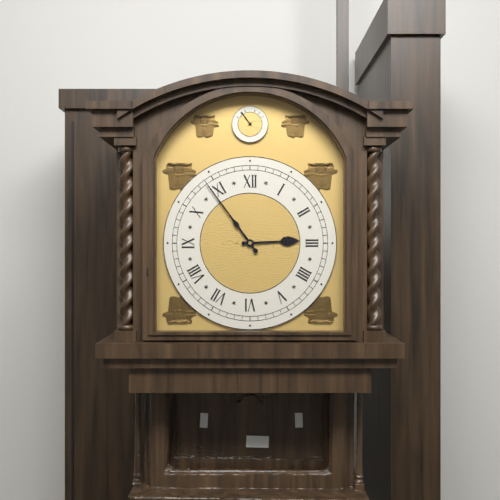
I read 2h54
